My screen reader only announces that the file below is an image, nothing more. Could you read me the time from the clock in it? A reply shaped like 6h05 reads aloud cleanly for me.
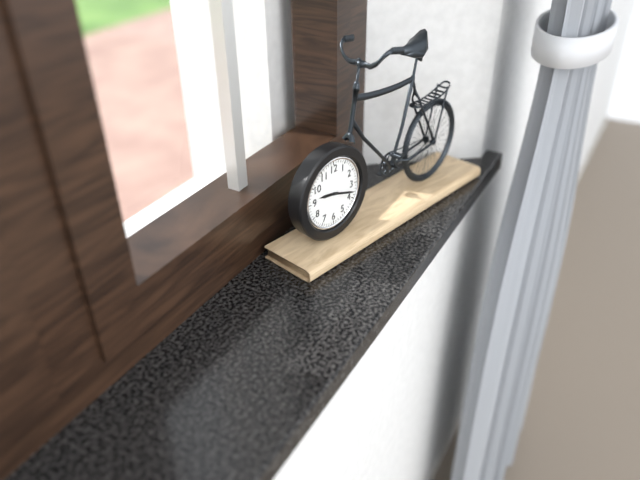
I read 9h18
